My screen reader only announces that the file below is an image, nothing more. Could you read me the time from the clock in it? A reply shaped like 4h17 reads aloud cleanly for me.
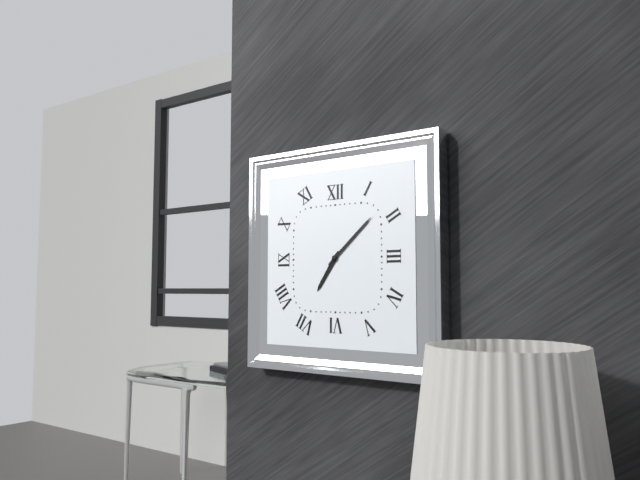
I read 7h08
